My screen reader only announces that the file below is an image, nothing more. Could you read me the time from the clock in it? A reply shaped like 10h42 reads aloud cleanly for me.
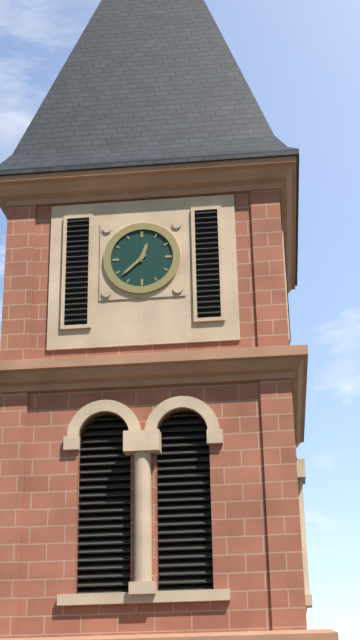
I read 12h38
